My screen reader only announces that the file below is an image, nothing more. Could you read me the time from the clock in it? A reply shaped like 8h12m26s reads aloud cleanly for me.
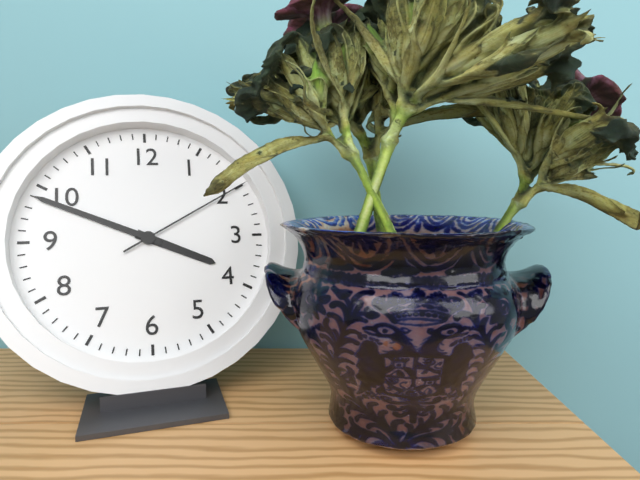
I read 3h49m10s
